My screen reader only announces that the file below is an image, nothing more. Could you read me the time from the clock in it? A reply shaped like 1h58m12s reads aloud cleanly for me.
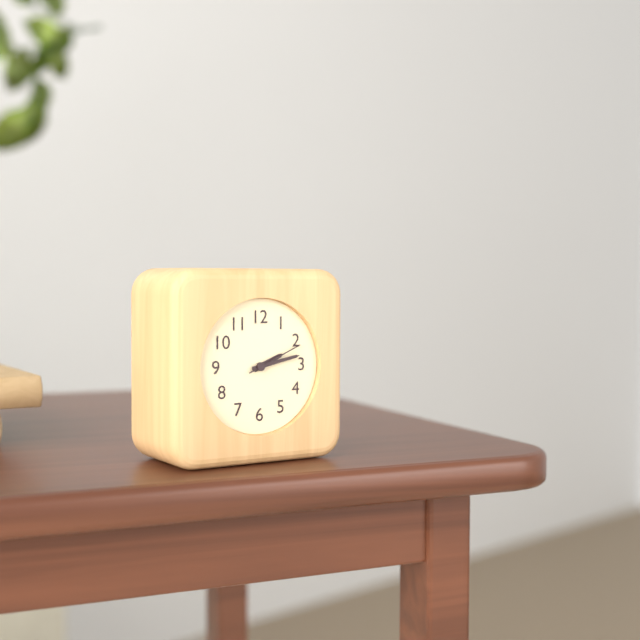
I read 2h13m11s
